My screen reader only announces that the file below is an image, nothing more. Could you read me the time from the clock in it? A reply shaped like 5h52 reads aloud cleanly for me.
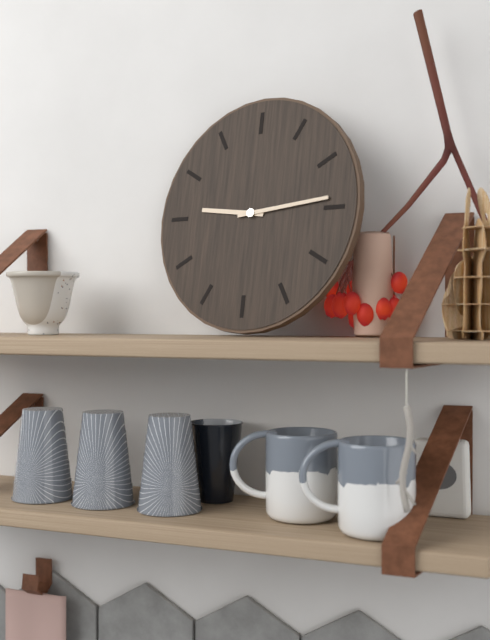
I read 9h14
